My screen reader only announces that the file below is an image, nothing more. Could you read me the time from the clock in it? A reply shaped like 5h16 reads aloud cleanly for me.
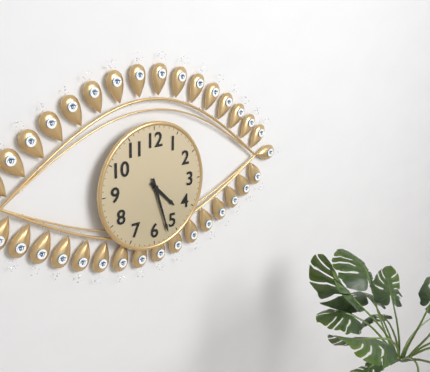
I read 4h27
